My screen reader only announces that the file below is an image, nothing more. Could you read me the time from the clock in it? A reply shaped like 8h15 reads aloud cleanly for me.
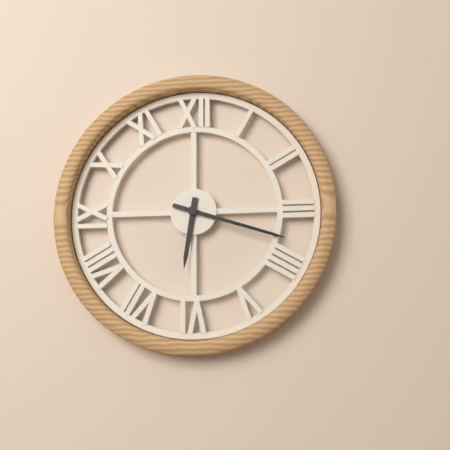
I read 6h18
